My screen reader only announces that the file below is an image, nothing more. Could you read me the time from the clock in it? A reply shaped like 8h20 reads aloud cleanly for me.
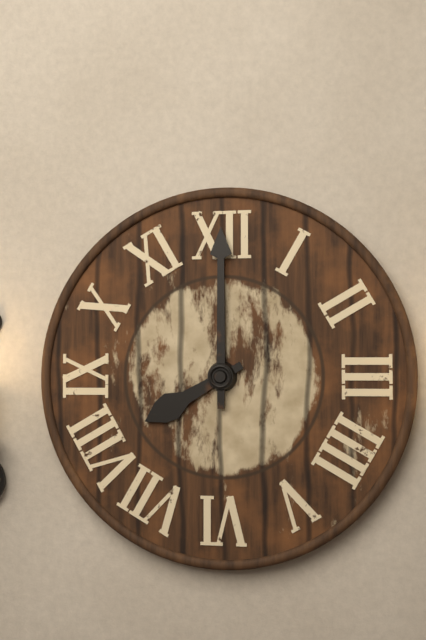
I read 8h00
